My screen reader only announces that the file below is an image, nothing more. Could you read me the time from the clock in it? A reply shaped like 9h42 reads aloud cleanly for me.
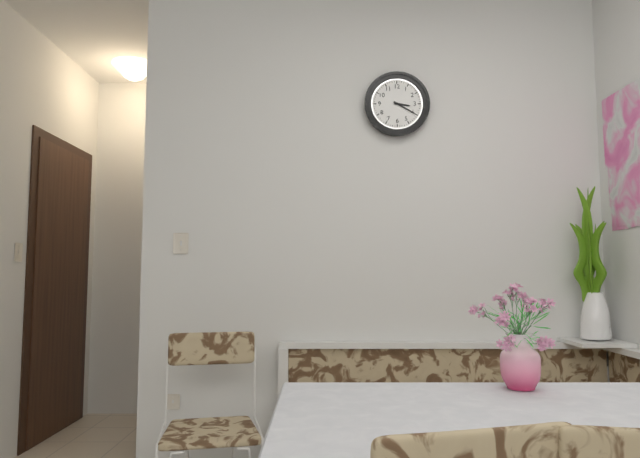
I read 3h20
